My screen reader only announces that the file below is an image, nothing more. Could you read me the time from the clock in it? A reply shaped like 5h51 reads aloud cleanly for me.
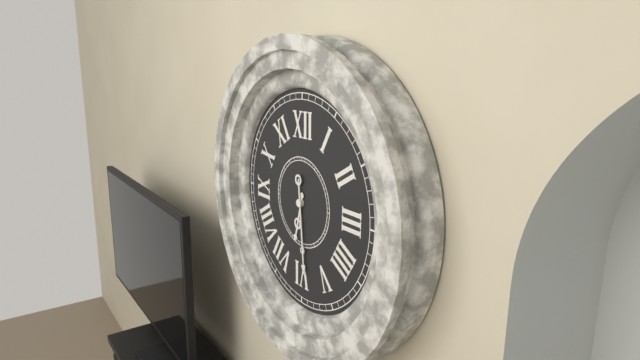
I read 6h29
